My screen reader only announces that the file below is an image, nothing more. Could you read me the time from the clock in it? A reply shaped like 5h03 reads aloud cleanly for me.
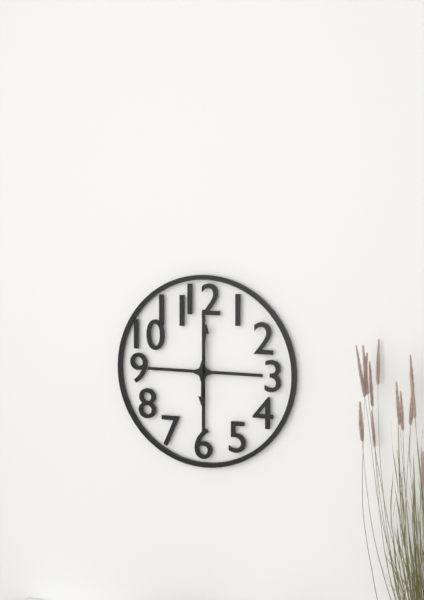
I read 6h01
